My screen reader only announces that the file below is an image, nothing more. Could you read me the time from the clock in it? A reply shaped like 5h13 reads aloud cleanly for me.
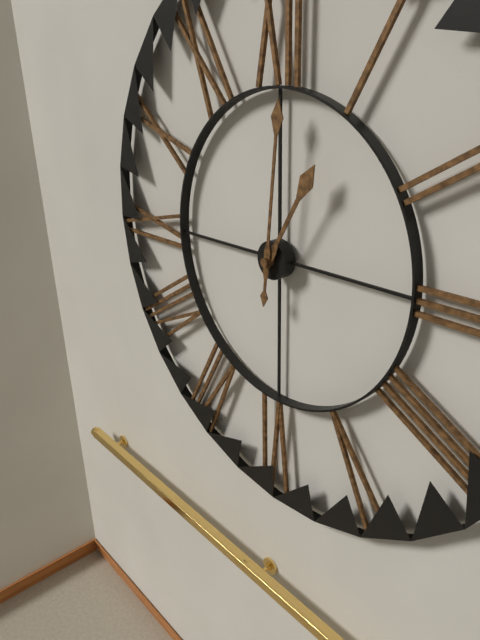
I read 1h01
